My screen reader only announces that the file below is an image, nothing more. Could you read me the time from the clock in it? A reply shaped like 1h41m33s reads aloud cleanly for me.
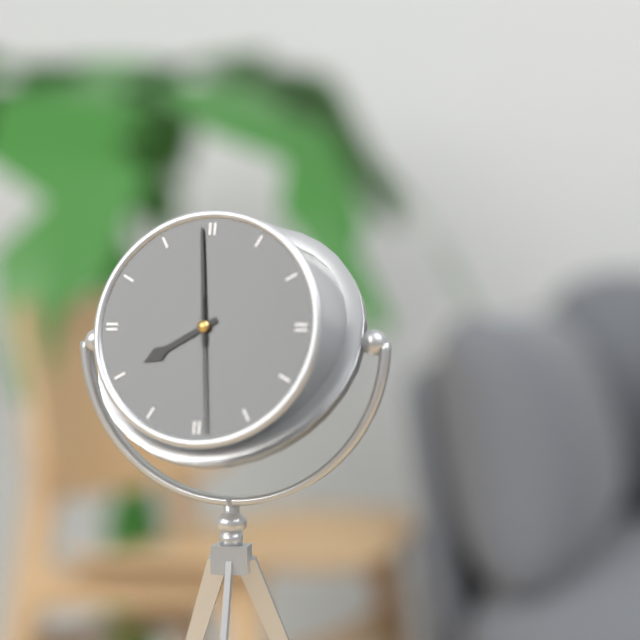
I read 7h59m29s
